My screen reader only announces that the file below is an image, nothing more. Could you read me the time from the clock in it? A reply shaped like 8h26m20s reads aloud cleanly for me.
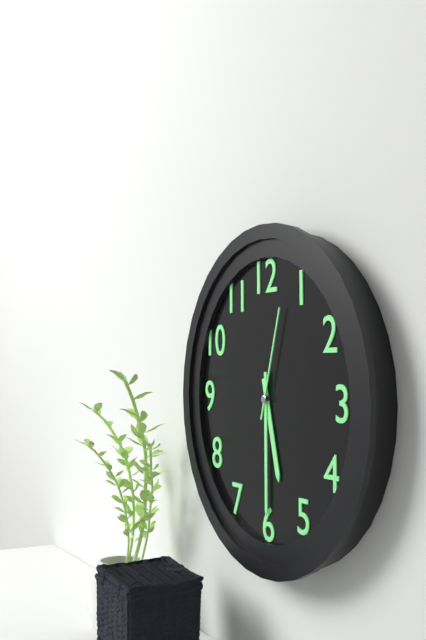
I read 5h30m03s
